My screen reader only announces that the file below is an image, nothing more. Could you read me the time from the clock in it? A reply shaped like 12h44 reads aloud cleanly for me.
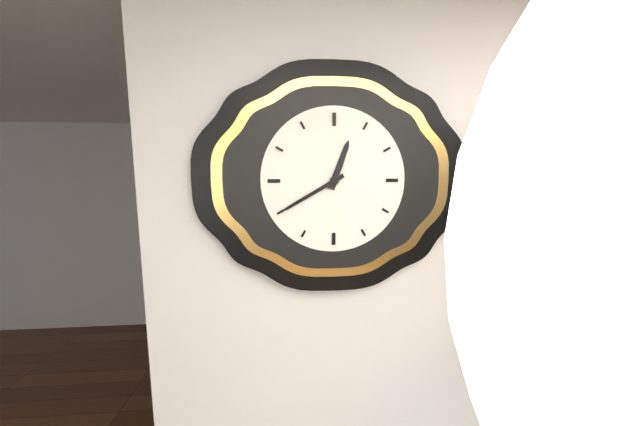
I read 12h40
